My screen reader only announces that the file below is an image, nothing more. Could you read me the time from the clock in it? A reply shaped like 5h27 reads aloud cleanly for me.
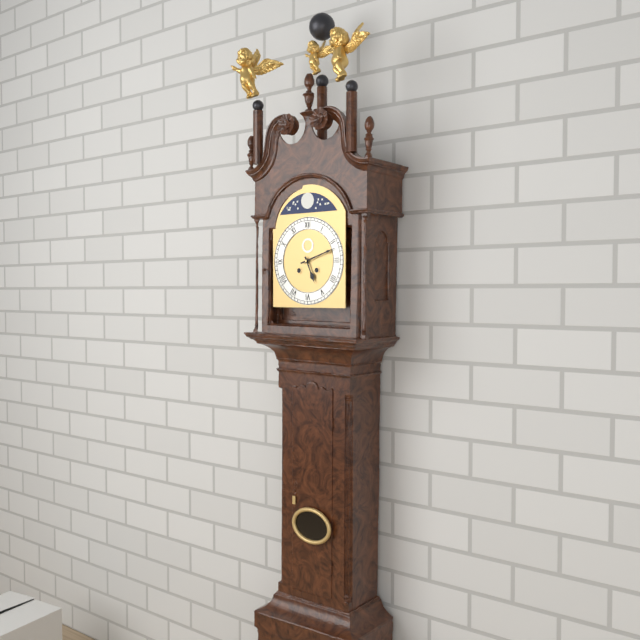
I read 5h12
